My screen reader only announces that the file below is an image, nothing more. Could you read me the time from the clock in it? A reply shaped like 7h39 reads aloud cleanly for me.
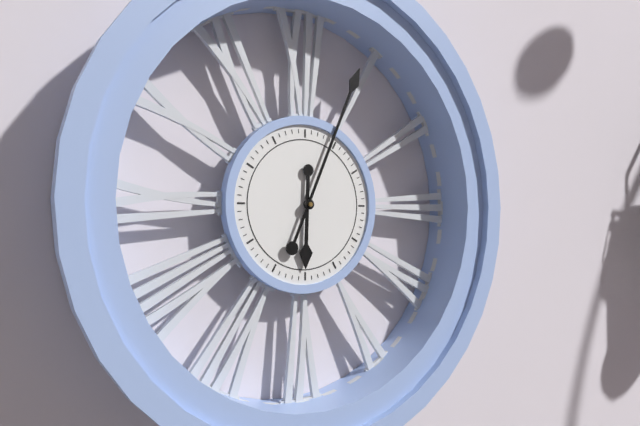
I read 6h04
